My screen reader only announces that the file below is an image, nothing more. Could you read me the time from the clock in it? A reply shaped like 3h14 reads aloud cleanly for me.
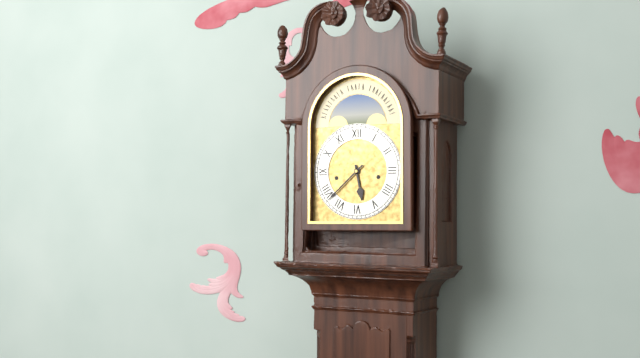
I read 5h38
